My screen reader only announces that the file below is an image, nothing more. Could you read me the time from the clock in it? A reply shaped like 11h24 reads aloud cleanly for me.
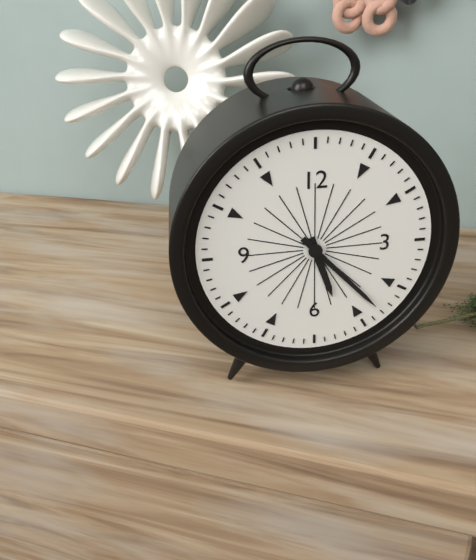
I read 5h23
